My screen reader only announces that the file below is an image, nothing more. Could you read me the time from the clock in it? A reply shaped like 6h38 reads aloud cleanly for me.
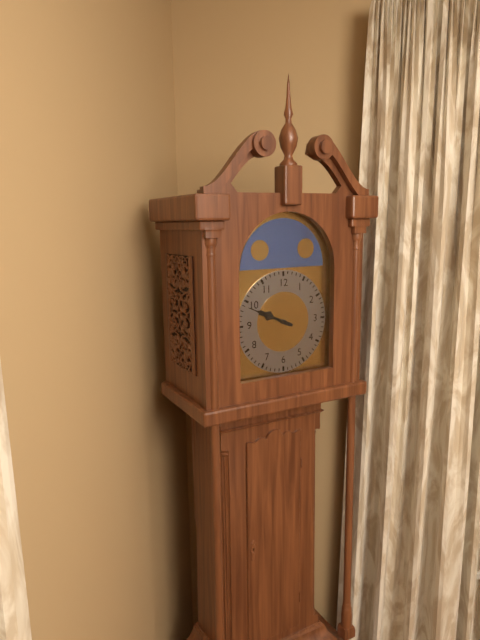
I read 9h49
